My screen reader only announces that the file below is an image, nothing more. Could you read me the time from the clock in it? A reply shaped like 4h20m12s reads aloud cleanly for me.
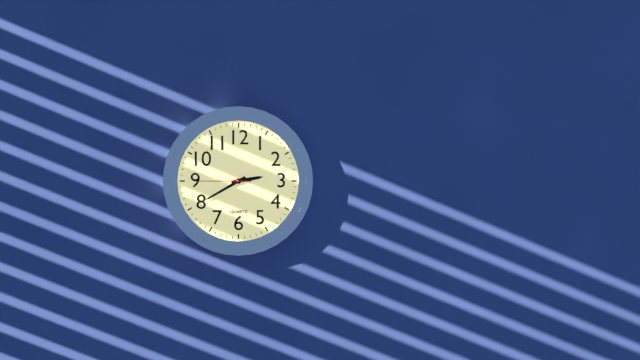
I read 2h40m45s
